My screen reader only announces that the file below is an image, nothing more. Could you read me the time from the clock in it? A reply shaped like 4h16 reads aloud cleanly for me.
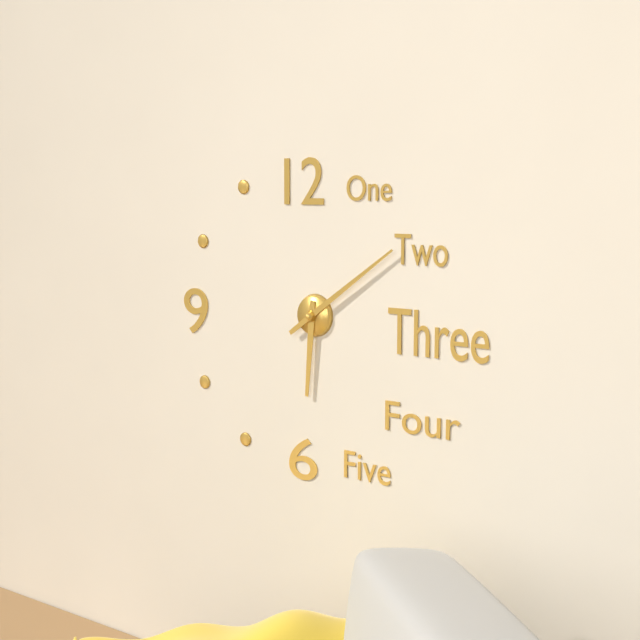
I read 6h09
